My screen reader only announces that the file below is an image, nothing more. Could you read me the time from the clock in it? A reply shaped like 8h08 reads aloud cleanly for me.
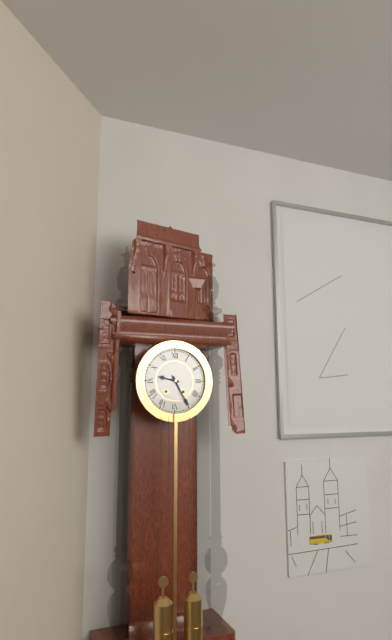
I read 9h25
